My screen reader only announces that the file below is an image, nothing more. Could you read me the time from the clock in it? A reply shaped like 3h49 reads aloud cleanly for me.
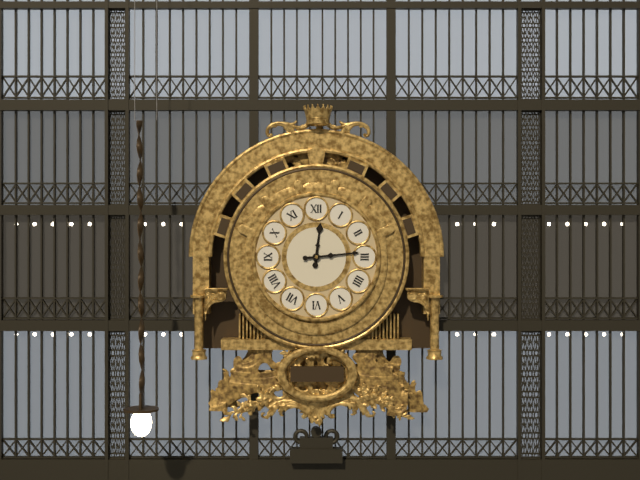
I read 12h14
